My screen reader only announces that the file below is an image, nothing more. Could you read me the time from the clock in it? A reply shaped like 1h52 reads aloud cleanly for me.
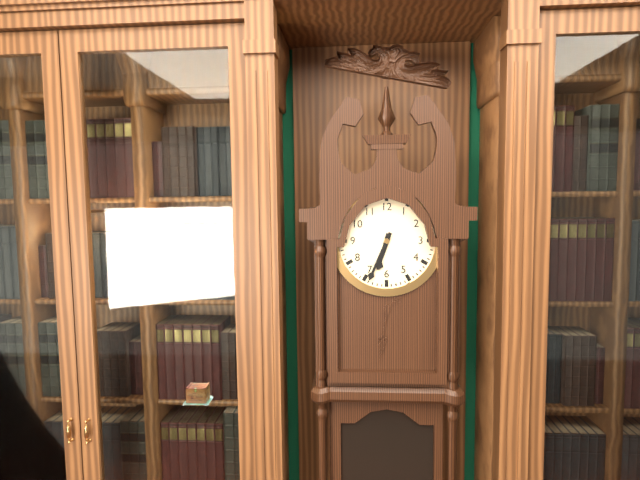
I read 6h34
